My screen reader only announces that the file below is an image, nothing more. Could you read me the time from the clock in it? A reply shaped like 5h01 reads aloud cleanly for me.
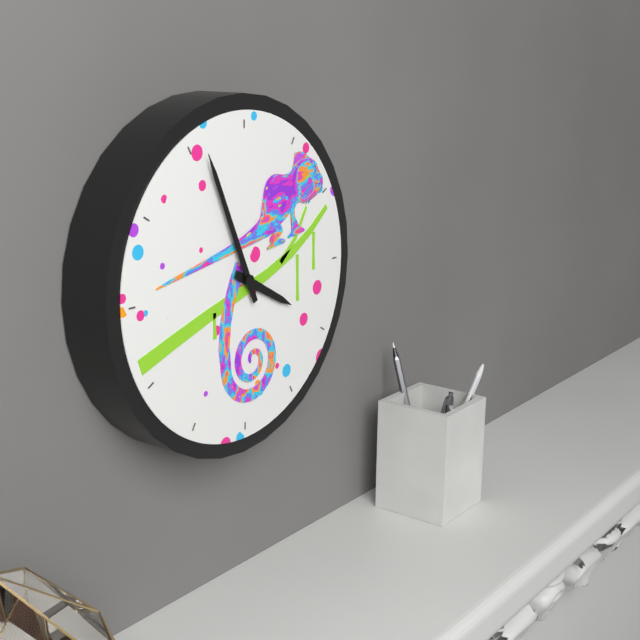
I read 3h56
